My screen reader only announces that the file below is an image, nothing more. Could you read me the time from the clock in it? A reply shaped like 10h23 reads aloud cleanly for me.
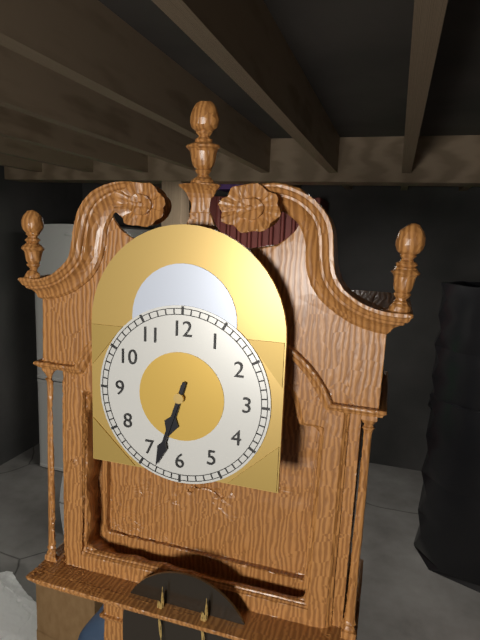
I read 6h33
